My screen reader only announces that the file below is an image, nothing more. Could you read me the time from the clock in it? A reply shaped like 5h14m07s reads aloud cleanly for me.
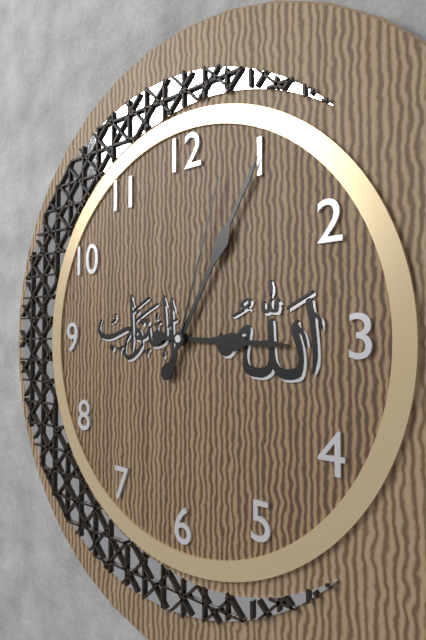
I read 3h05m03s
